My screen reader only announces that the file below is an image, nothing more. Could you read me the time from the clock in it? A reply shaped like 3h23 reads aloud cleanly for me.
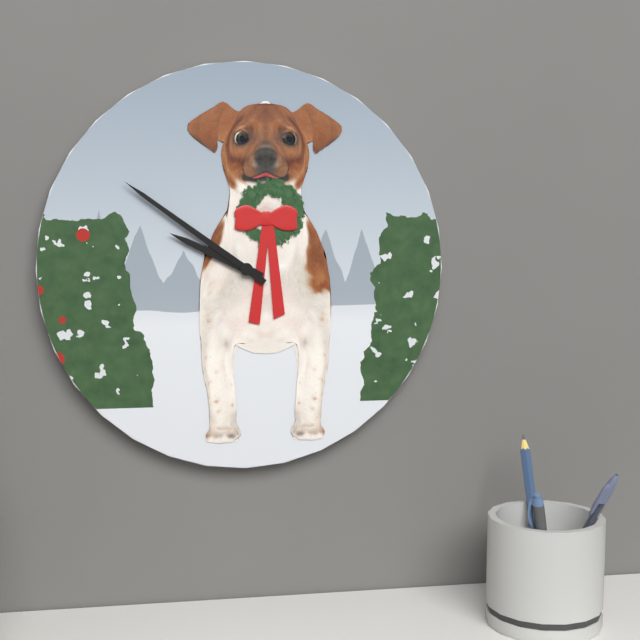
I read 9h51
